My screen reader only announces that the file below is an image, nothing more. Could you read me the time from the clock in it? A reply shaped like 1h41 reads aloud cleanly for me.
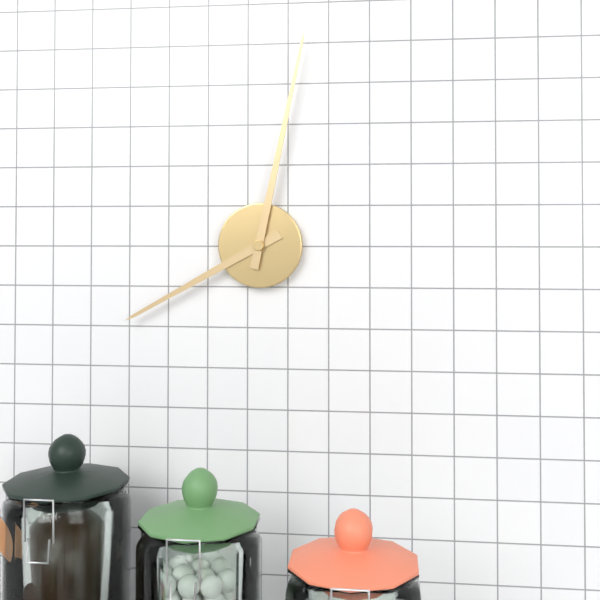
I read 8h02
